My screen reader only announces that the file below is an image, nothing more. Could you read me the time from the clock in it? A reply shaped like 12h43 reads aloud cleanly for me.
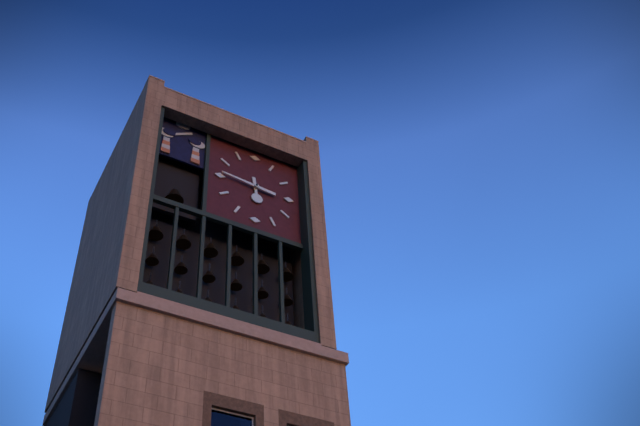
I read 5h46
